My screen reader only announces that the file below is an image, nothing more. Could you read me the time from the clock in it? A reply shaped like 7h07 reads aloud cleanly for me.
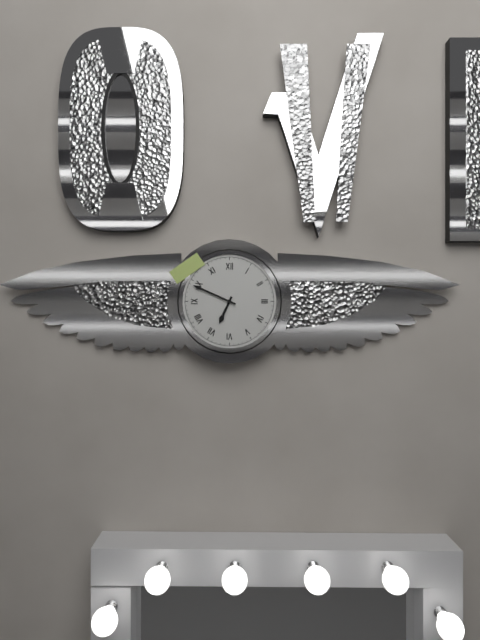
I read 6h49
